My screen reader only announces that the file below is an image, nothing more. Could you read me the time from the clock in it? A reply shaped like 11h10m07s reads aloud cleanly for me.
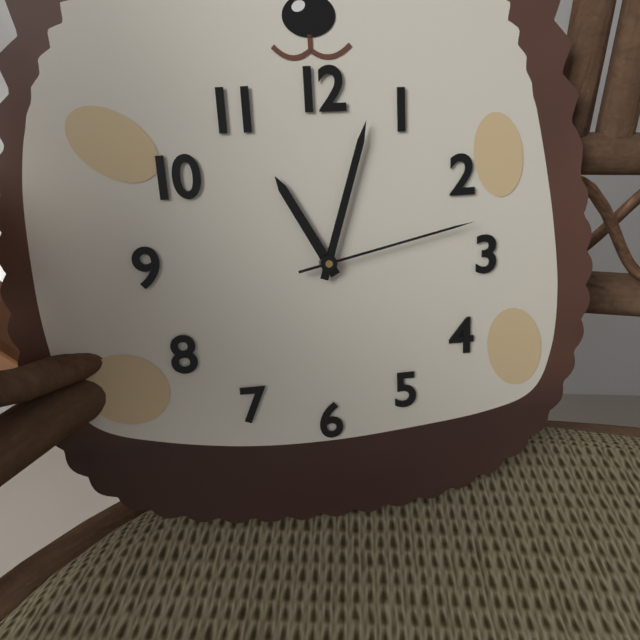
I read 11h03m13s
